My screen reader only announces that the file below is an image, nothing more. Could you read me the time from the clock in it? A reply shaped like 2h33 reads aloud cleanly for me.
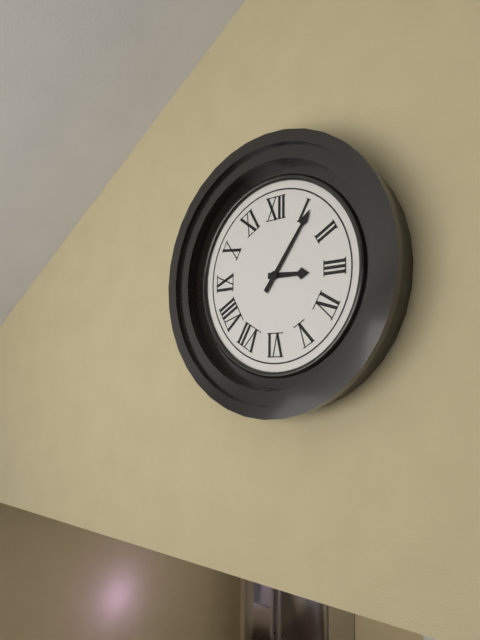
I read 3h06
